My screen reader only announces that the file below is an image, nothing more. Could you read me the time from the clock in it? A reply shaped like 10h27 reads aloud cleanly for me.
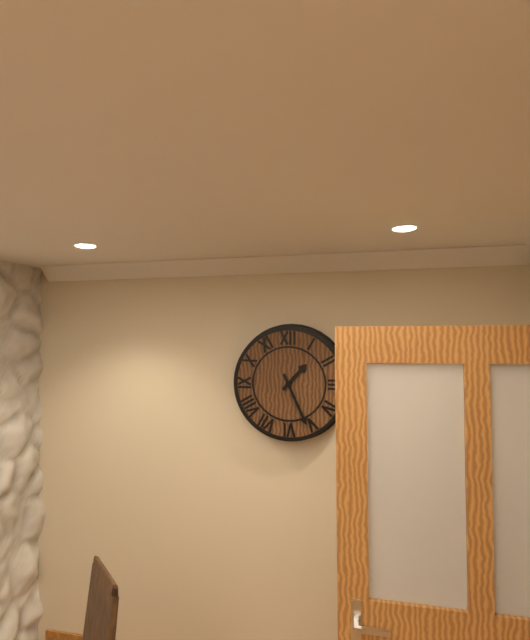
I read 1h26
